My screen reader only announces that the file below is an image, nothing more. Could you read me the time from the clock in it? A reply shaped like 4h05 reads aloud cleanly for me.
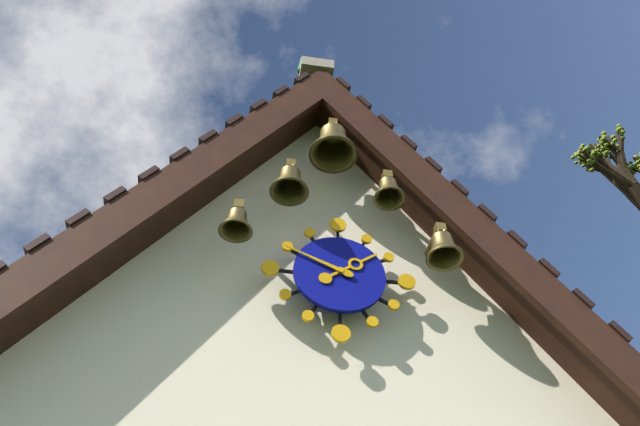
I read 1h49
